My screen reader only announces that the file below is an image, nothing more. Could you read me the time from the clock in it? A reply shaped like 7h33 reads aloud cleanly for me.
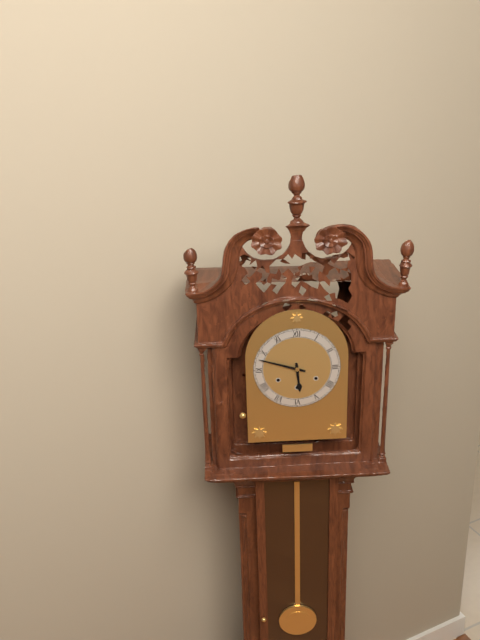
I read 5h48
